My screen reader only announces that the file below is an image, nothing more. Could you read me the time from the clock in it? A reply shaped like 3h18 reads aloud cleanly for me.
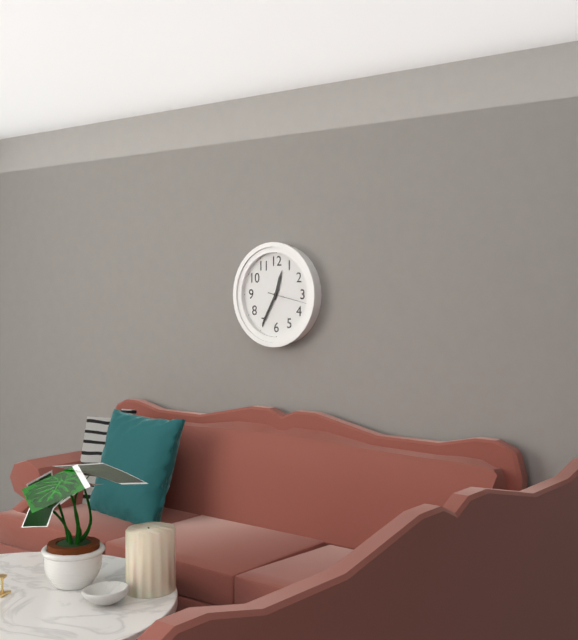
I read 12h35
